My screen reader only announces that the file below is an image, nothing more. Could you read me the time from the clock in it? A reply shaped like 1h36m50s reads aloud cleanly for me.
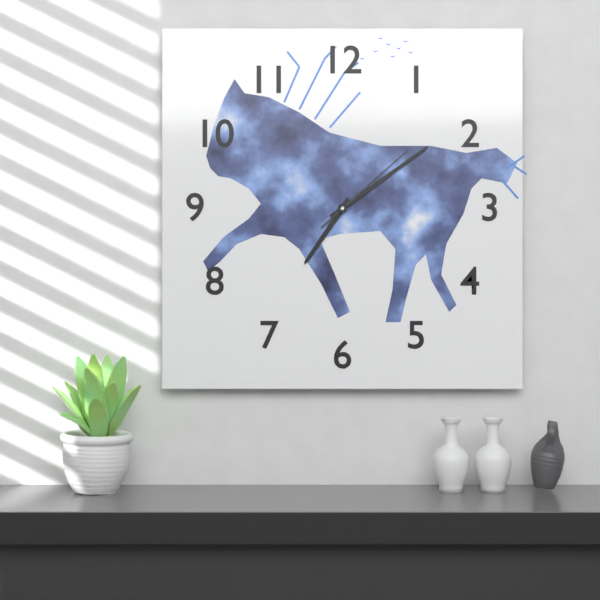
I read 7h09m08s
